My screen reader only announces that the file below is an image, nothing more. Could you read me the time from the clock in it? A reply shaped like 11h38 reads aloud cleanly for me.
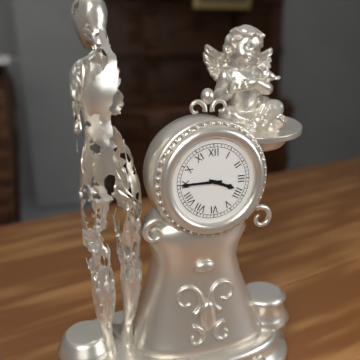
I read 3h45
